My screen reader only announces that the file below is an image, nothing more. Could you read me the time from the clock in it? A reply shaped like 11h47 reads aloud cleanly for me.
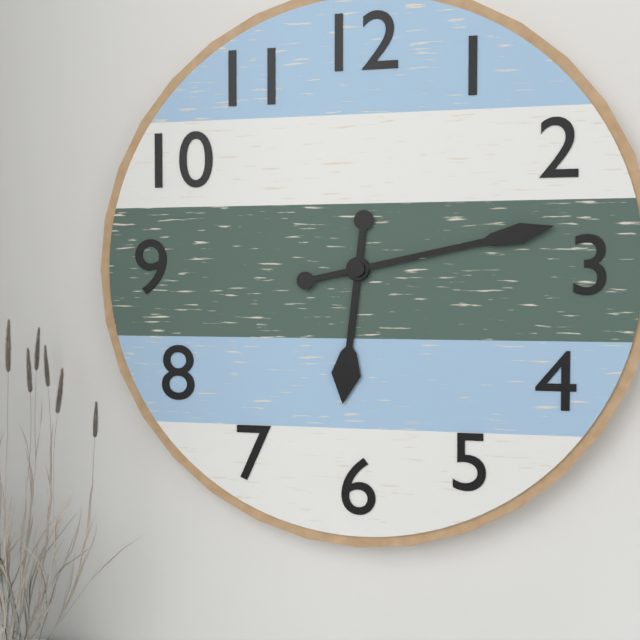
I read 6h13
